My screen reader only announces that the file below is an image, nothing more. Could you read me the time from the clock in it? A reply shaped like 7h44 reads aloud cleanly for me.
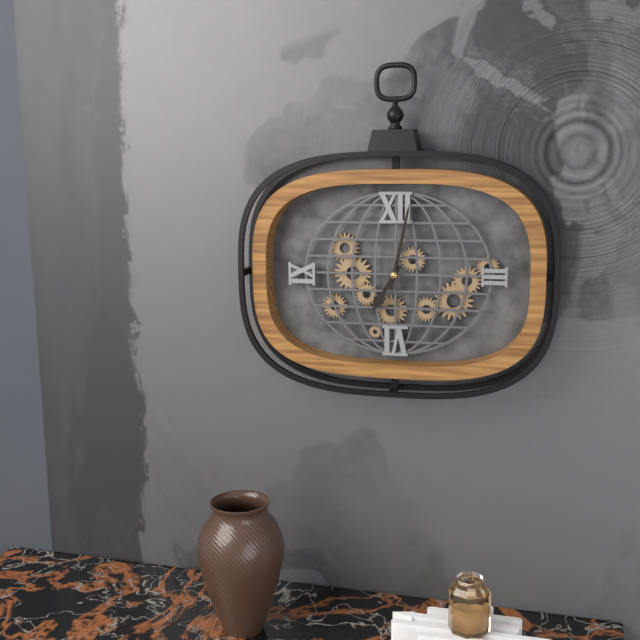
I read 7h02
